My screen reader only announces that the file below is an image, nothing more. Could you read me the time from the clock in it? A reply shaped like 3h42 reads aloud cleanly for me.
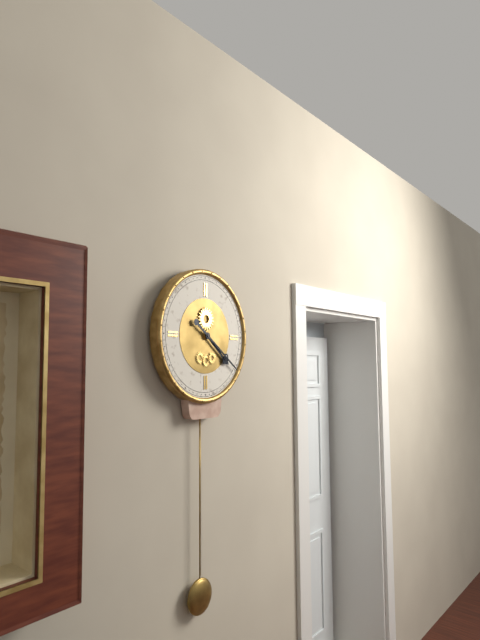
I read 4h21
